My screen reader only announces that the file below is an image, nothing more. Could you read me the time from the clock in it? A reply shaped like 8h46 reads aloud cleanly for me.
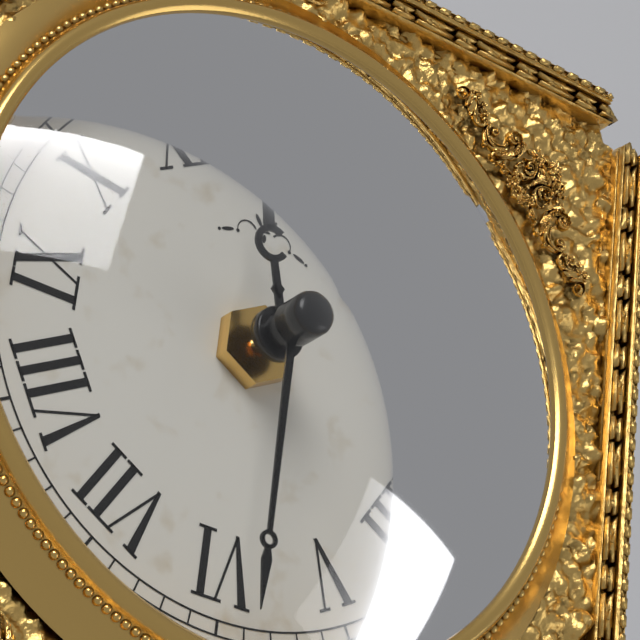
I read 11h30
